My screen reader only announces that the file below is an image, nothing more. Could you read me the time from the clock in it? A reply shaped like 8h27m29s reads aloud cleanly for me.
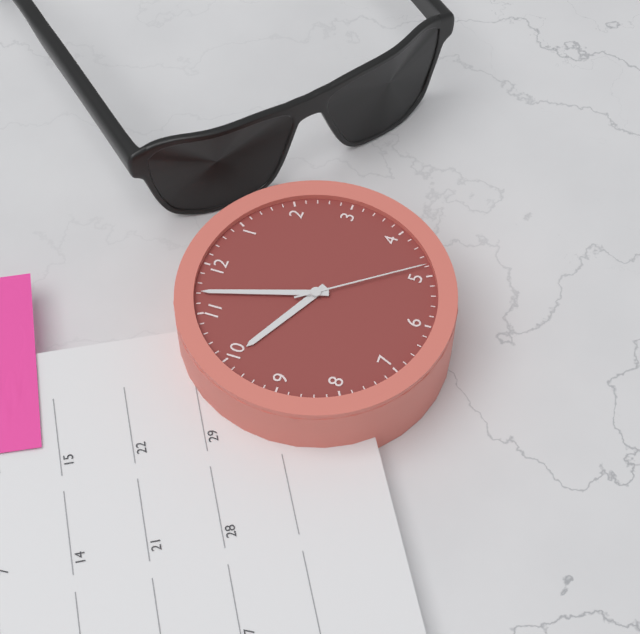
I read 9h57m24s
